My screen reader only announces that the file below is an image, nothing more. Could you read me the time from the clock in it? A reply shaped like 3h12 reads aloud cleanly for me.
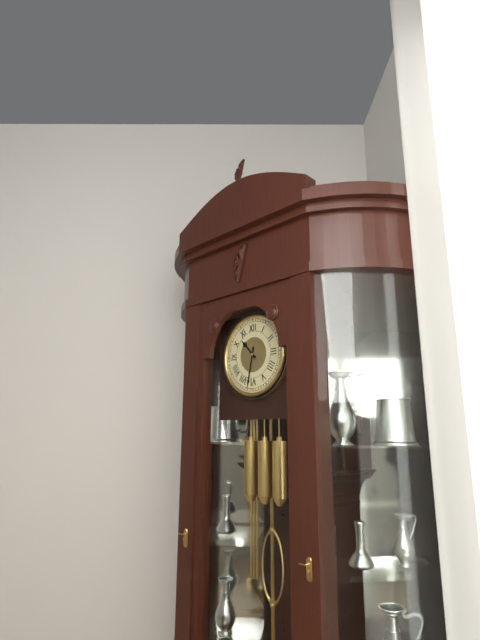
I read 10h32
